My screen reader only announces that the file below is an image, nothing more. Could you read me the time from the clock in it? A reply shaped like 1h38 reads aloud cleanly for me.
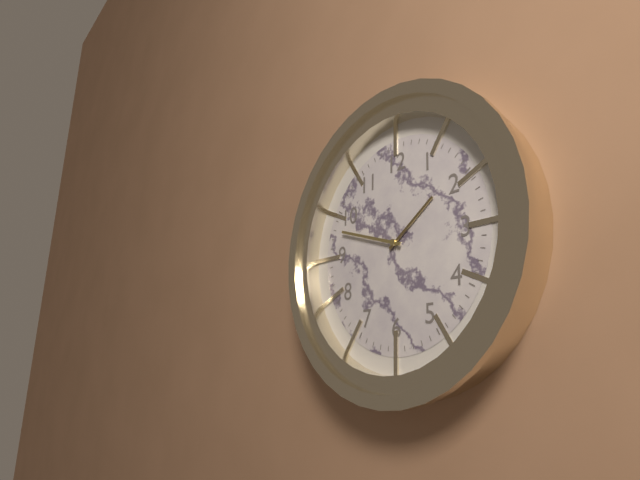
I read 1h48
